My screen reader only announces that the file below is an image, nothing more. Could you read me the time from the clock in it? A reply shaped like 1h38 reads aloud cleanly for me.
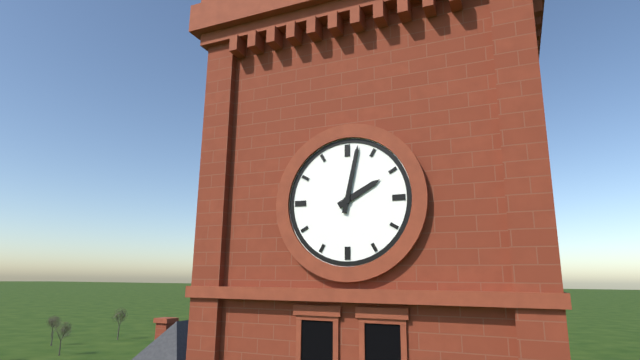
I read 2h02
